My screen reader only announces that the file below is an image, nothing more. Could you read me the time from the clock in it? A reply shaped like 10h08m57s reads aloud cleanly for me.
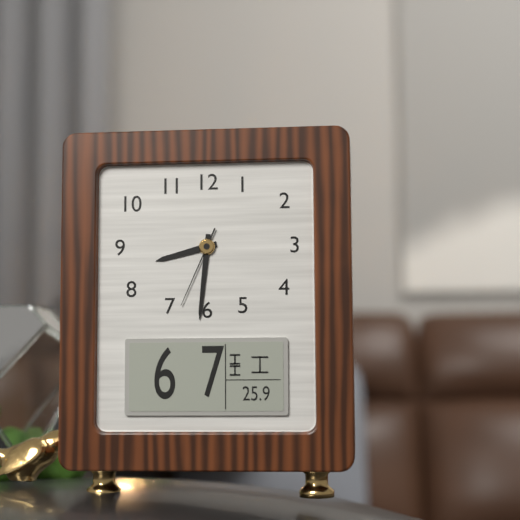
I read 8h31m34s
